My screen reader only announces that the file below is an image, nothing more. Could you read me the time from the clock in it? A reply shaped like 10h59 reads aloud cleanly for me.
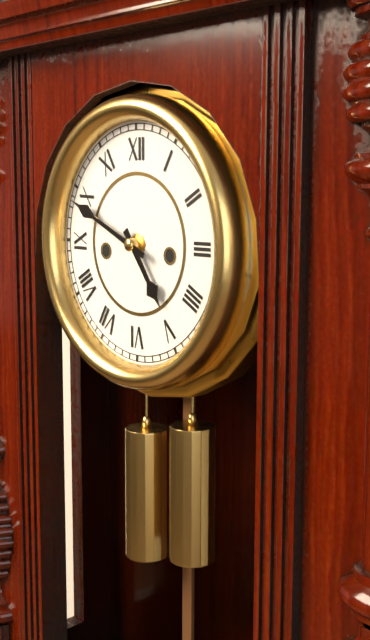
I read 4h49
